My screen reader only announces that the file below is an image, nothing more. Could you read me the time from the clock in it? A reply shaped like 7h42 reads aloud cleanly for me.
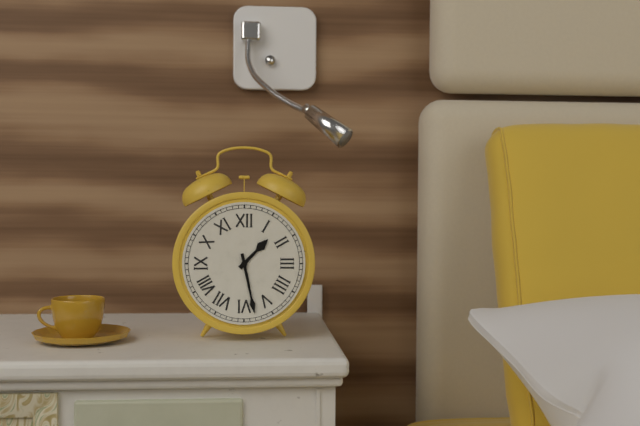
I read 1h28
